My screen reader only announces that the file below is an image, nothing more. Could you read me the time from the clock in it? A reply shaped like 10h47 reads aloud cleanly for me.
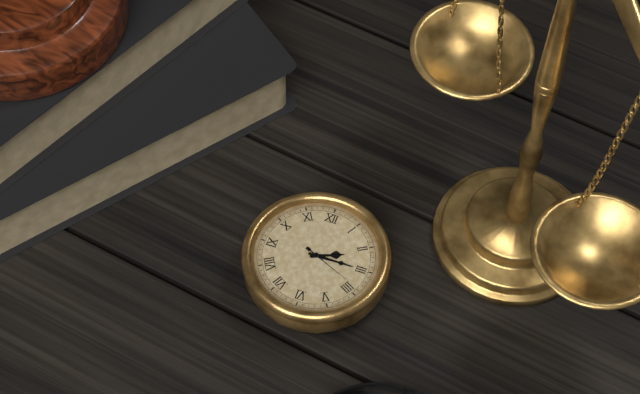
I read 2h15
